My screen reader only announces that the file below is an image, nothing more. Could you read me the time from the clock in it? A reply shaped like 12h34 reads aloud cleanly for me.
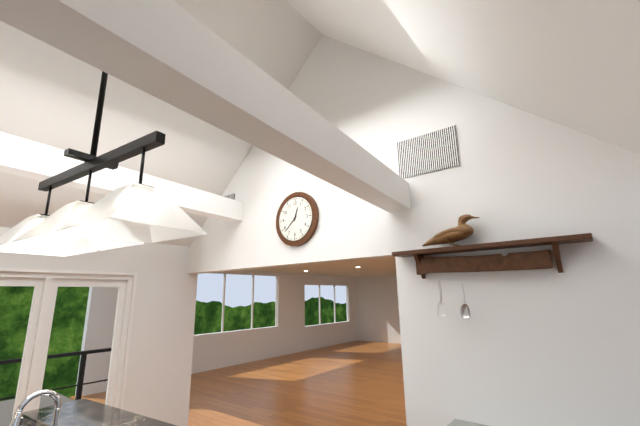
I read 12h38
